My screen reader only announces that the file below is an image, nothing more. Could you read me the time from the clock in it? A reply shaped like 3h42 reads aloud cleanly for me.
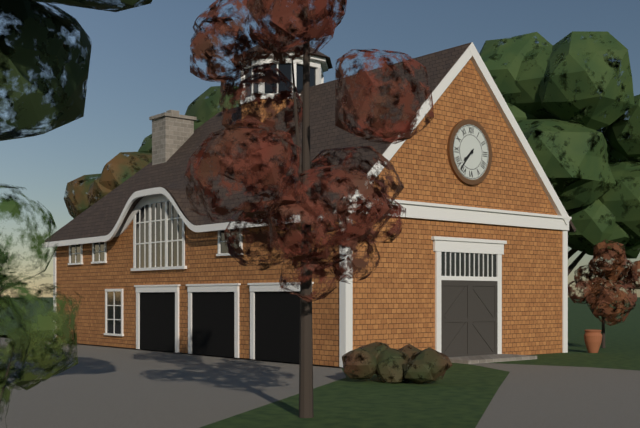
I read 7h37
